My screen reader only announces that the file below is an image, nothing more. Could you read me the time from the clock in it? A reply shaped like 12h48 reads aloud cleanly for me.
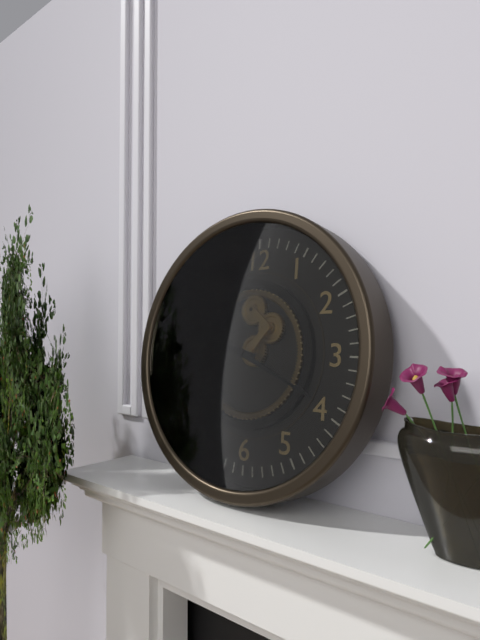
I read 9h19
